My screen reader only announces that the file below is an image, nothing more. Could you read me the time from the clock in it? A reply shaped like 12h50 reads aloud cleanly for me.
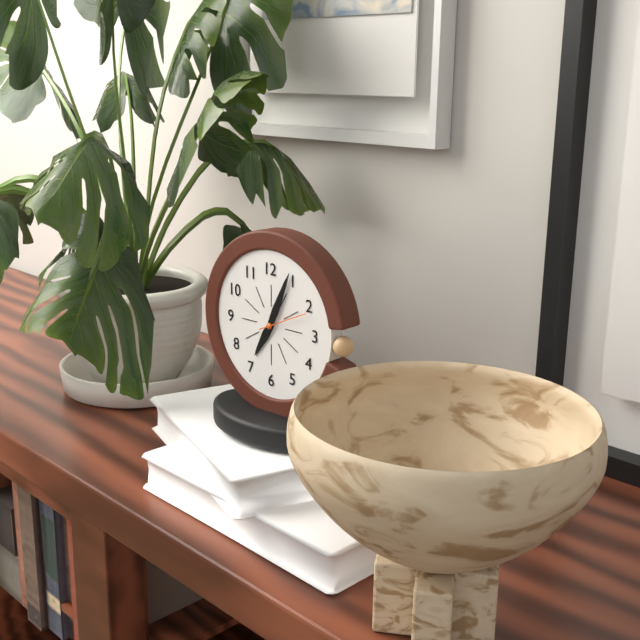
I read 7h04
